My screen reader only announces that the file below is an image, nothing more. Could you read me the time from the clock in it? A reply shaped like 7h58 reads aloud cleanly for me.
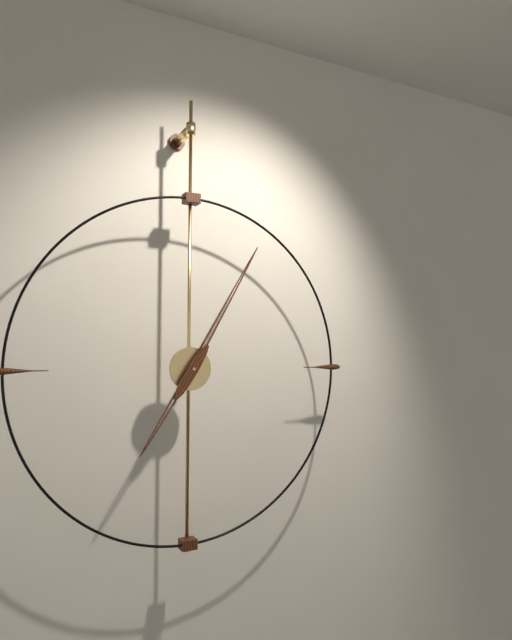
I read 7h05
